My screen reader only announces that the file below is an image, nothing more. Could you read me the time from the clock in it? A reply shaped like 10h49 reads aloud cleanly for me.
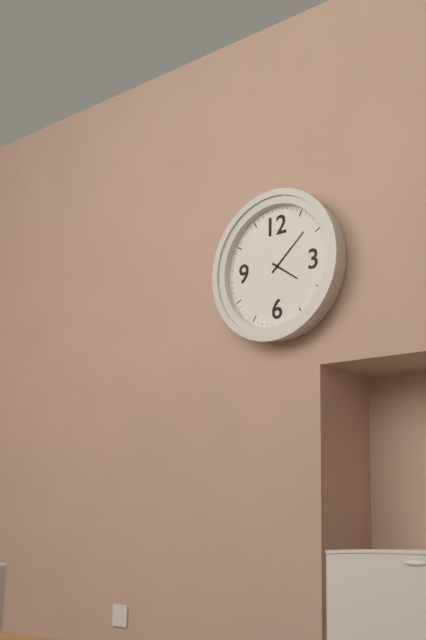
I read 4h08
